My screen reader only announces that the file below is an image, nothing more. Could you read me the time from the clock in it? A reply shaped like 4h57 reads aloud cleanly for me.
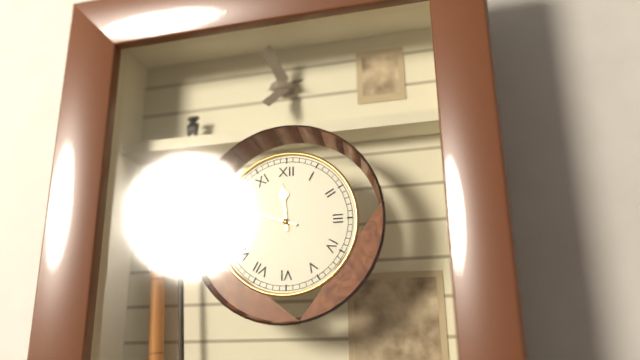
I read 11h48
